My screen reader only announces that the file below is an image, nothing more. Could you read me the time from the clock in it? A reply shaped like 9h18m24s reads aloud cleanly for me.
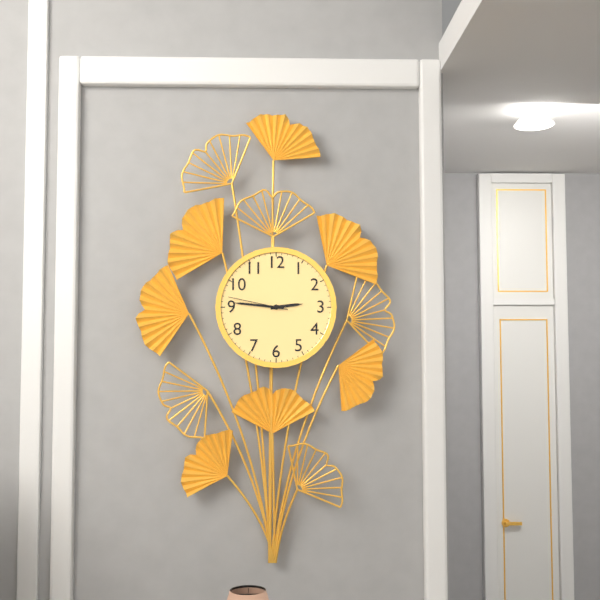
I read 2h46m47s
